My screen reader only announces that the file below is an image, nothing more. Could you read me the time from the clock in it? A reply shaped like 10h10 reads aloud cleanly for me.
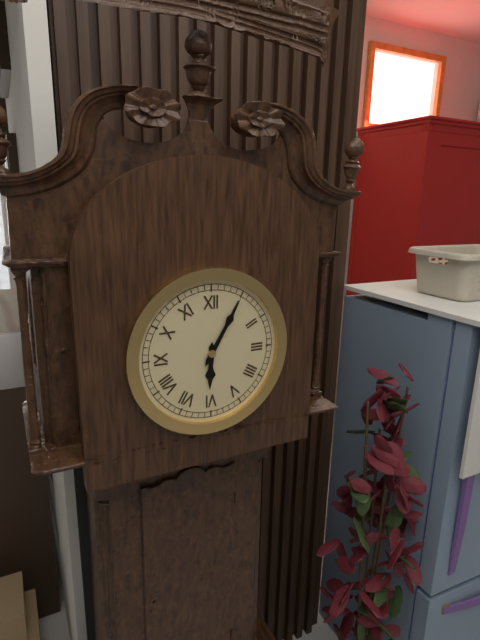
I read 6h05
